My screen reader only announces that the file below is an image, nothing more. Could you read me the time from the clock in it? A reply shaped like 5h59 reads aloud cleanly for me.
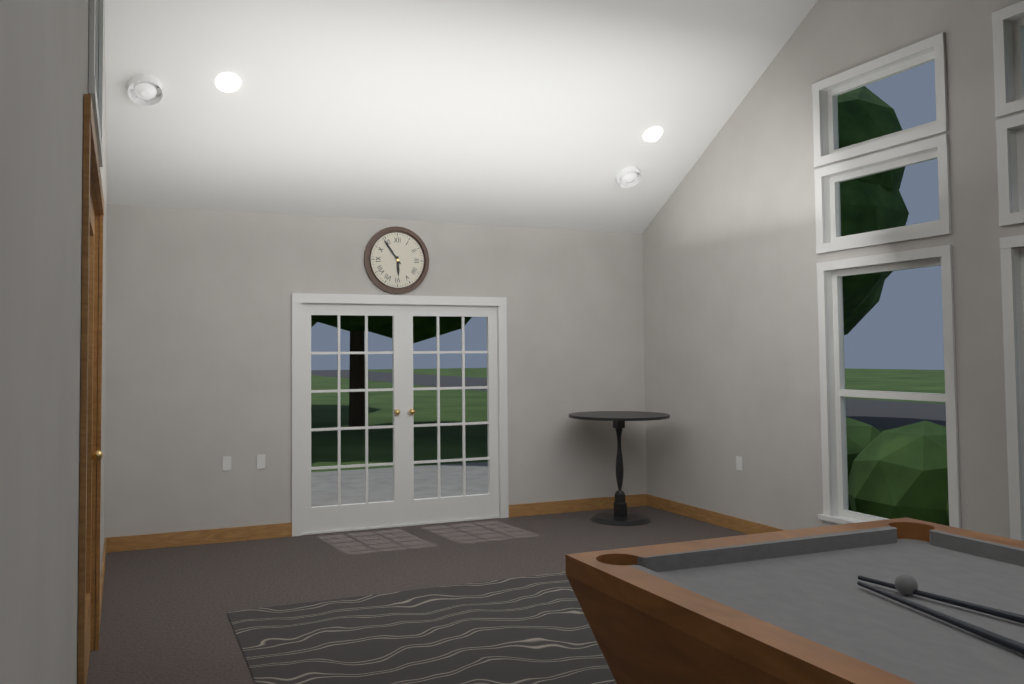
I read 5h54
